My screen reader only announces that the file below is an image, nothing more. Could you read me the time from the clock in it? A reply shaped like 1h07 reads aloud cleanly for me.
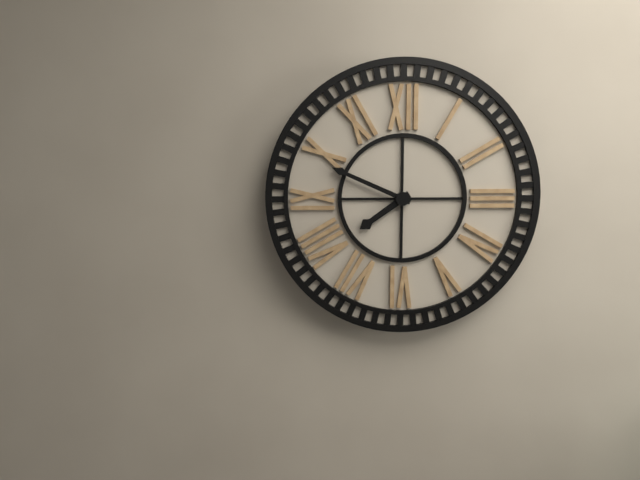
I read 7h49
